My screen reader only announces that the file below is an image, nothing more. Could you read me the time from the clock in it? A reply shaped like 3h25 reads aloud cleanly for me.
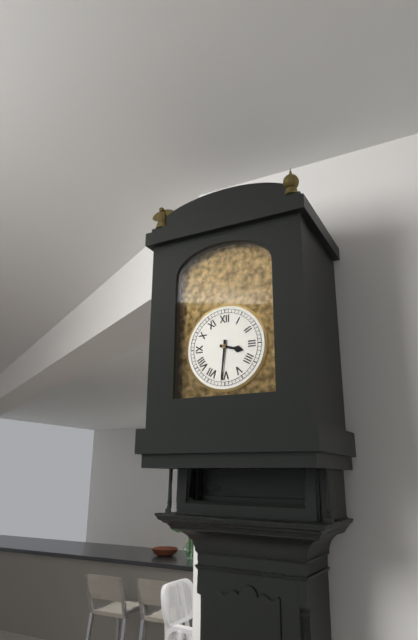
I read 3h31
